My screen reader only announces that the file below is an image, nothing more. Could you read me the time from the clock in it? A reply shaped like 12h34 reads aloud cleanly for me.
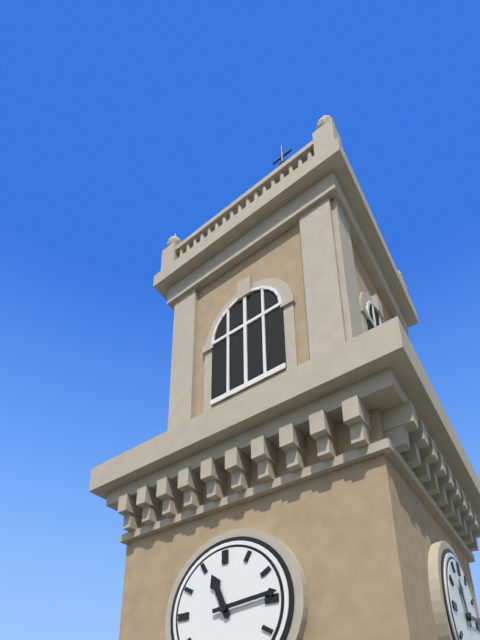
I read 11h14
